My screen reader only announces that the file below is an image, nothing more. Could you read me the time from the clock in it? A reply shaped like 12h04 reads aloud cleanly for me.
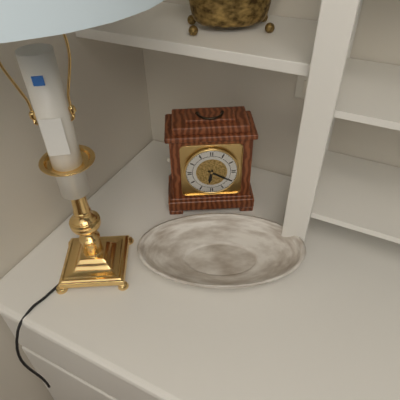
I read 6h20
